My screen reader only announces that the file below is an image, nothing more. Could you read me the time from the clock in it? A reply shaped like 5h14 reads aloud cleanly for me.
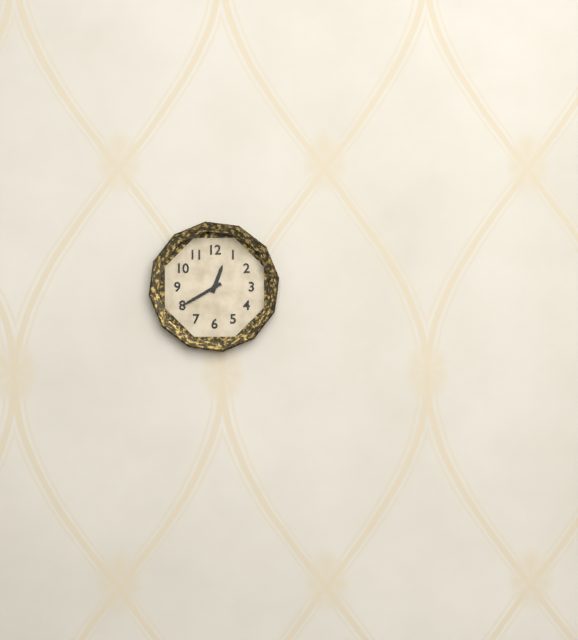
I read 12h40
